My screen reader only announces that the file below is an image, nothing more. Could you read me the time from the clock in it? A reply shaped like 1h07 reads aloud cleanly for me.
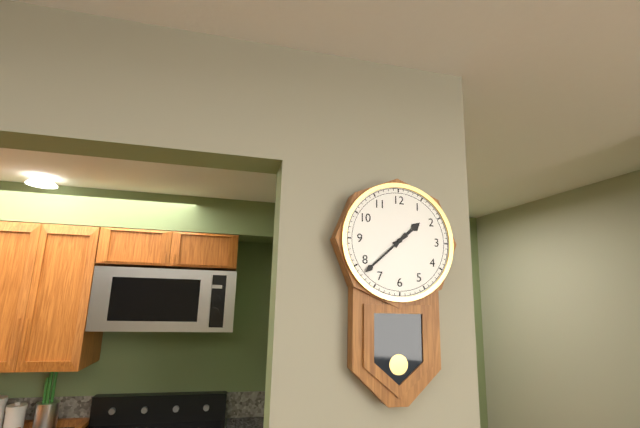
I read 1h38
